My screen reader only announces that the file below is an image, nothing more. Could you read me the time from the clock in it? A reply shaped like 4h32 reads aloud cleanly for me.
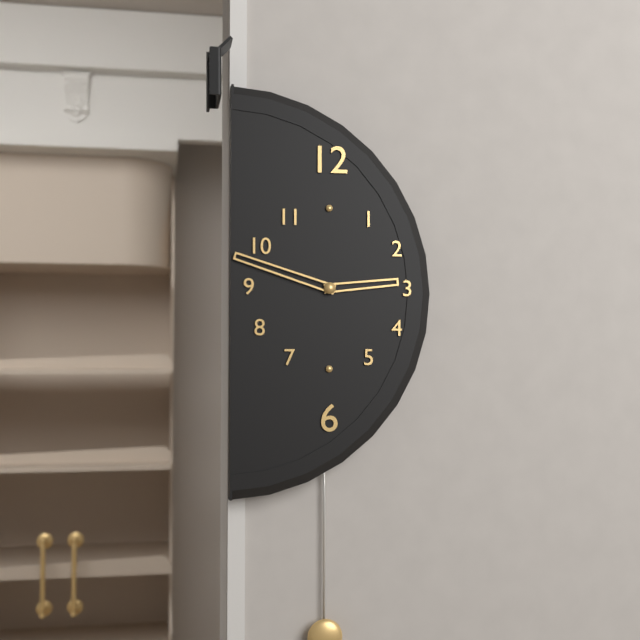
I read 2h48
